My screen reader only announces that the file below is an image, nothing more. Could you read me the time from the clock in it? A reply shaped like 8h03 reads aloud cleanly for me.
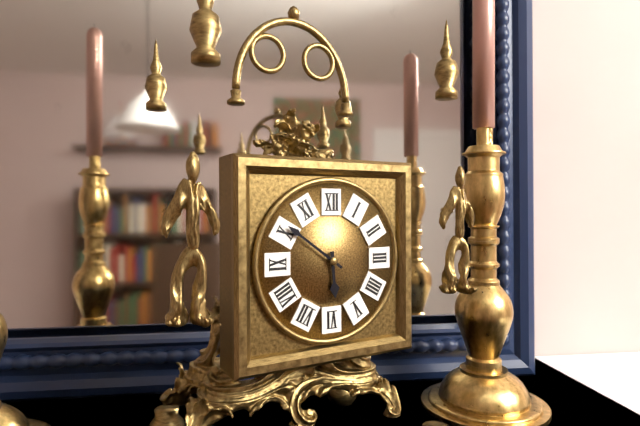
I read 5h51
